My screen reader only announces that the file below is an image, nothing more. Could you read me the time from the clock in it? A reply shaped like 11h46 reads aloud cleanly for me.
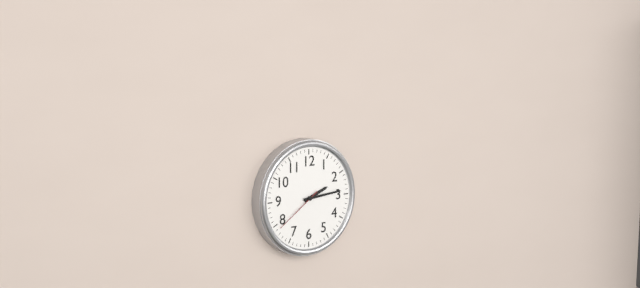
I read 2h14
